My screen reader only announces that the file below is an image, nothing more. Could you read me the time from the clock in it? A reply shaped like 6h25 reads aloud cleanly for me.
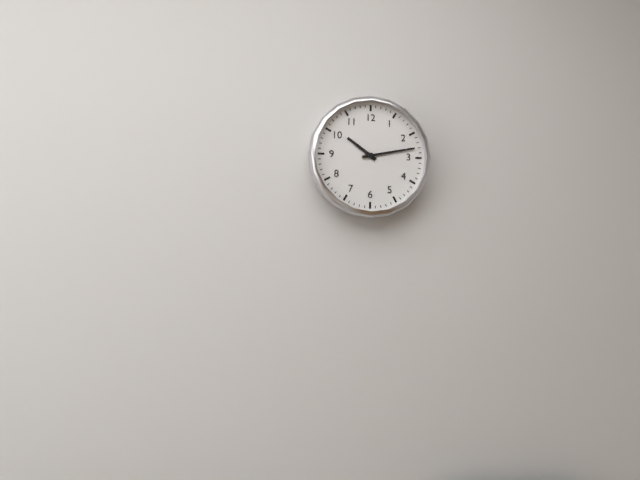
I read 10h13
